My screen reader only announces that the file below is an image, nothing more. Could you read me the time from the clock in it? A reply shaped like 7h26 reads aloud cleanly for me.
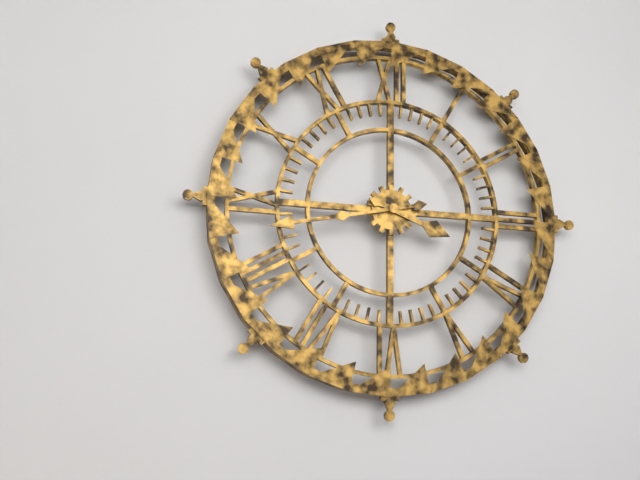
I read 3h43
